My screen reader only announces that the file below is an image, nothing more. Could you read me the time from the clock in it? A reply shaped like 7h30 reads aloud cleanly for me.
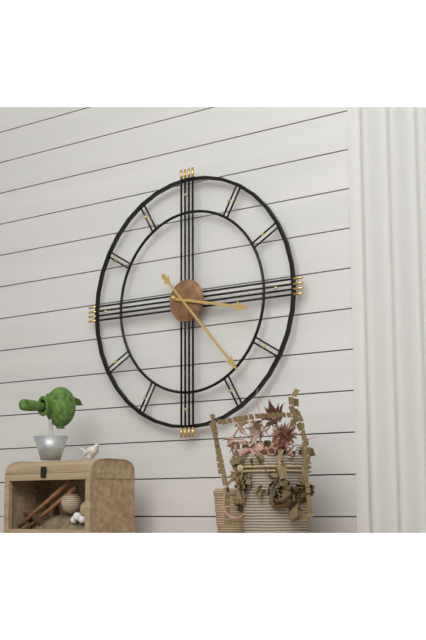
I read 3h23
